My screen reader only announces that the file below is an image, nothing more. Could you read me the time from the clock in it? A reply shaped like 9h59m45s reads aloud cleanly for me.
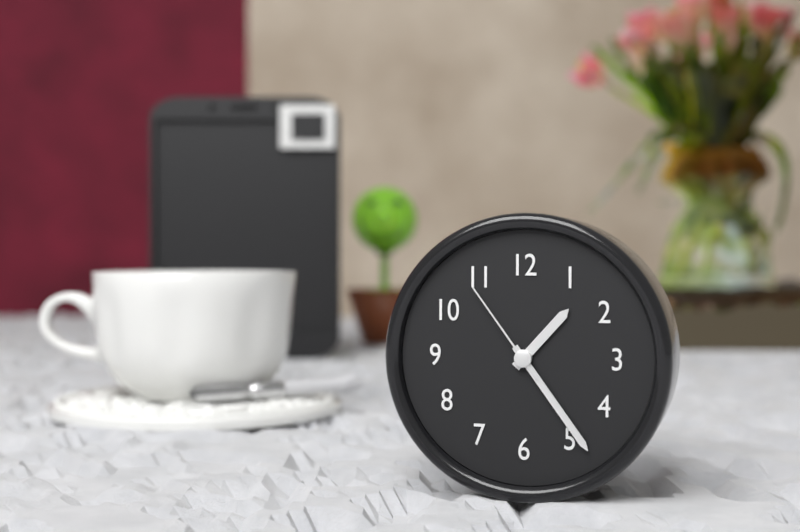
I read 1h24m54s
